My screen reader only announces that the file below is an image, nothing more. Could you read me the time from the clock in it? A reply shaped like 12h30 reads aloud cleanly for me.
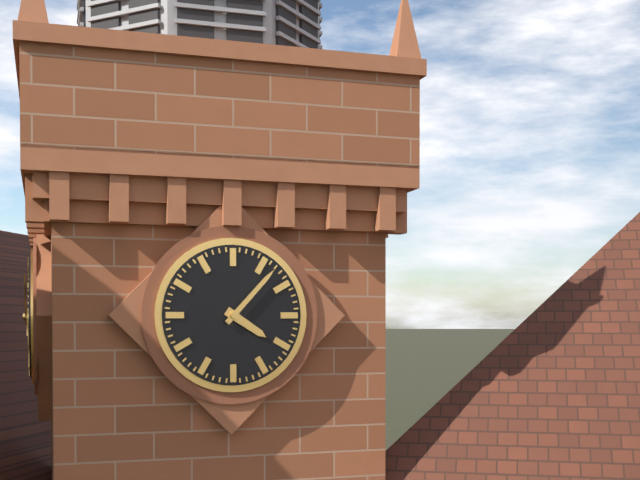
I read 4h07
